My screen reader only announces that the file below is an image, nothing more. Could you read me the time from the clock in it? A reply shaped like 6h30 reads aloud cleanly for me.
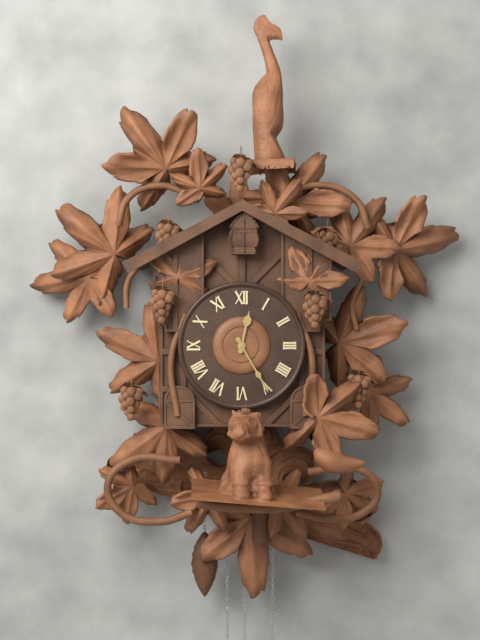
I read 12h25
